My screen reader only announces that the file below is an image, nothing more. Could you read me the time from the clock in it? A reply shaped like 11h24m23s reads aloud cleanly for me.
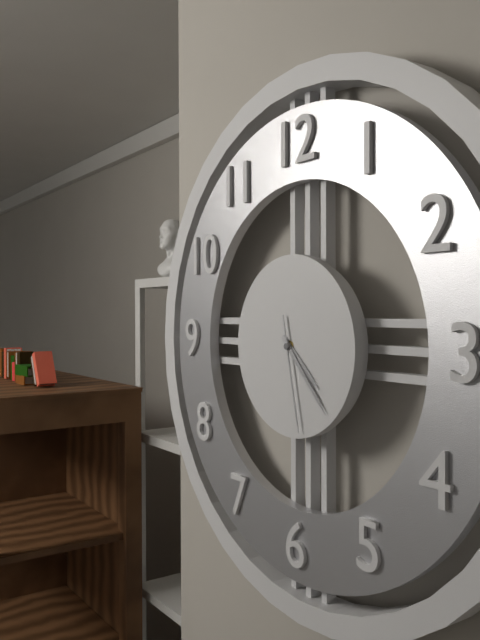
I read 4h23m28s
